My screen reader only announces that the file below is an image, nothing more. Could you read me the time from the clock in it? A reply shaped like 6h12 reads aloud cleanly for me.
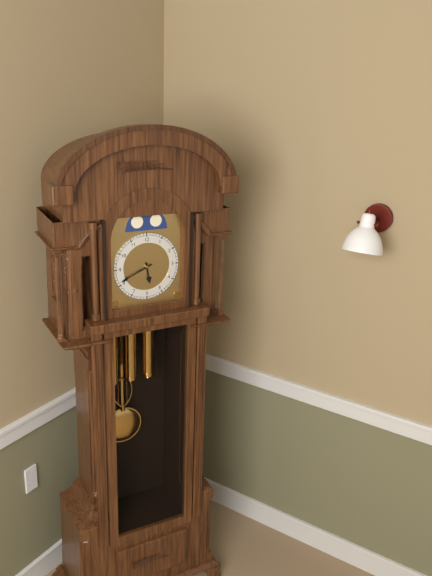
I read 5h41
